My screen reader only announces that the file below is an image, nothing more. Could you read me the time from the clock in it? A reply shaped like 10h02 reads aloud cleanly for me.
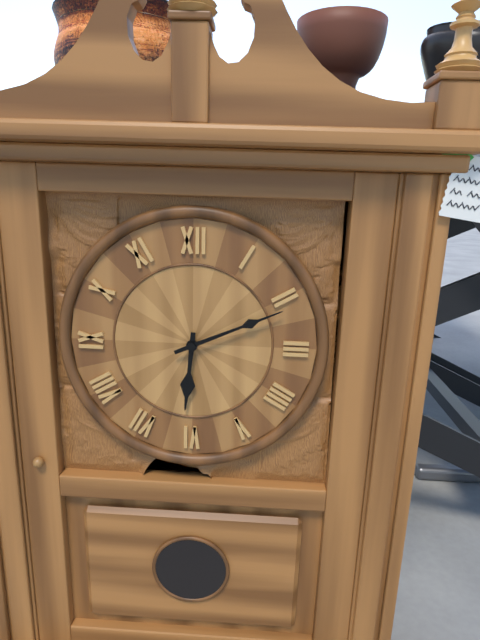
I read 6h11
